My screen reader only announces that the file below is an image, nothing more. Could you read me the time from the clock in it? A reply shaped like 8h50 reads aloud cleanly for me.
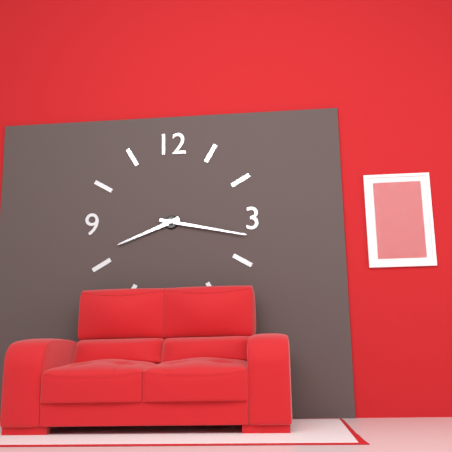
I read 8h17
